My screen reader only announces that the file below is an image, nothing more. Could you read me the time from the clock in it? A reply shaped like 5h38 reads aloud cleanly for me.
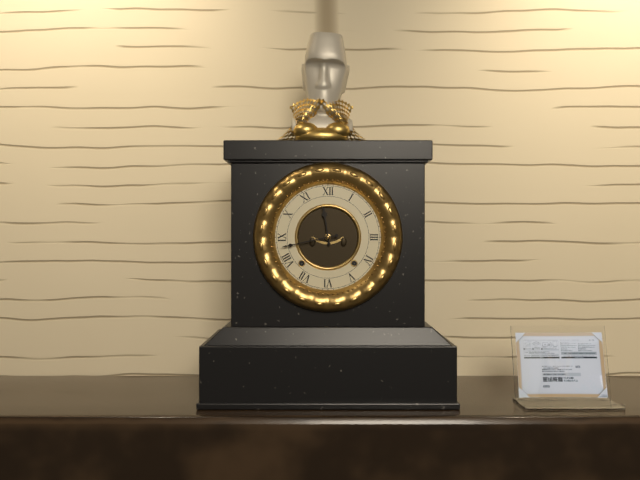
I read 11h43
